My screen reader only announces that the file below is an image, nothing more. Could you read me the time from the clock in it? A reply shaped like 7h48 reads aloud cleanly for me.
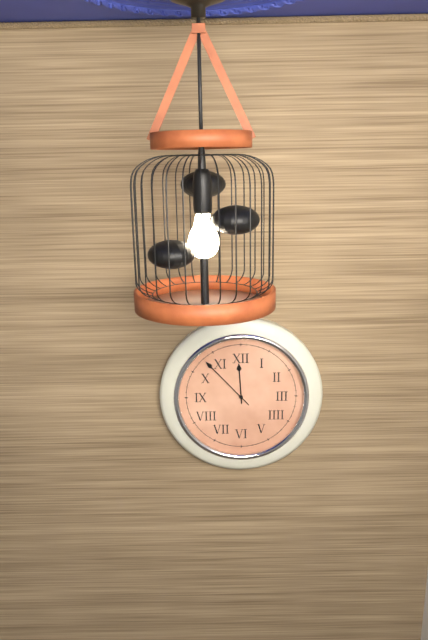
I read 11h53
